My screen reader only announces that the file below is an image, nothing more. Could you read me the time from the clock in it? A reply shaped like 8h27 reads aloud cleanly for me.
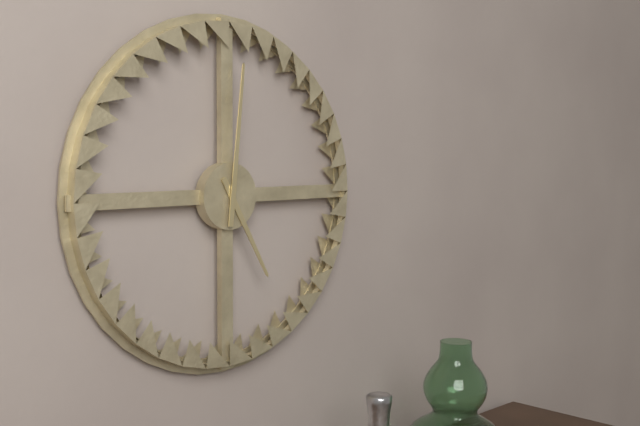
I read 5h01
